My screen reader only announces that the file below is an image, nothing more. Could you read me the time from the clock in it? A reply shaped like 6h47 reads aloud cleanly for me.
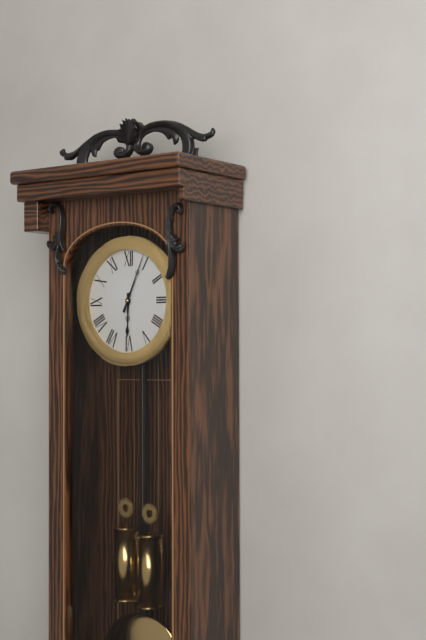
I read 6h04
